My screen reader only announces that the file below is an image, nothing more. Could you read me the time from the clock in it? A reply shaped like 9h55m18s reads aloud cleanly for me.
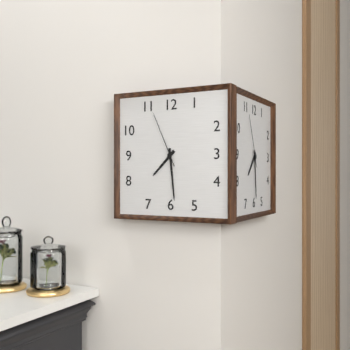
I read 7h29m56s
